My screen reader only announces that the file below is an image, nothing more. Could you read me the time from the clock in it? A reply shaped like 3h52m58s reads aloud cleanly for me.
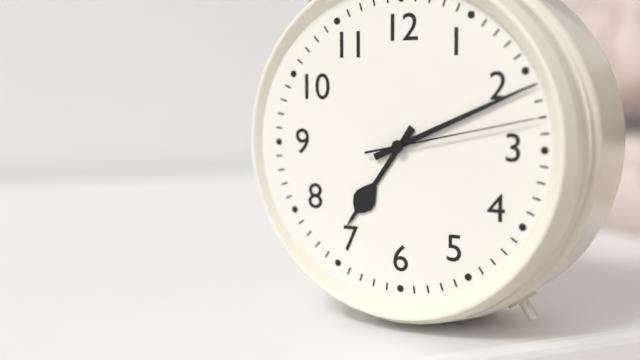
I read 7h11m13s
